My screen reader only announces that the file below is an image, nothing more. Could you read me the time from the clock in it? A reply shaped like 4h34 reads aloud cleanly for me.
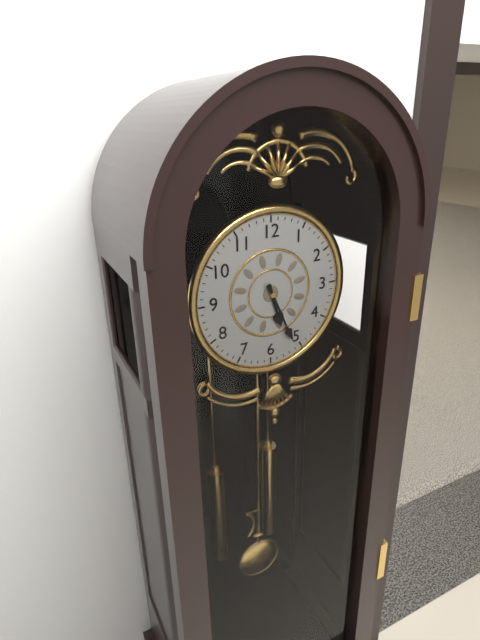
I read 5h26
